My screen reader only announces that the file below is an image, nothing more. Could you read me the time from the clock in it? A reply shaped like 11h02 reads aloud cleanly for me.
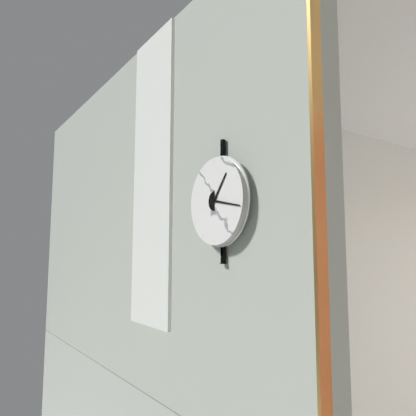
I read 1h17
